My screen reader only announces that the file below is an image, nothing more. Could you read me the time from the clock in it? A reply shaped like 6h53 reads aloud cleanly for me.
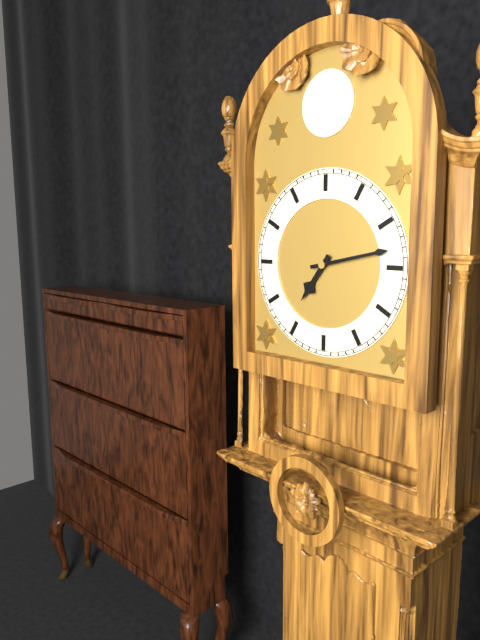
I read 7h13
